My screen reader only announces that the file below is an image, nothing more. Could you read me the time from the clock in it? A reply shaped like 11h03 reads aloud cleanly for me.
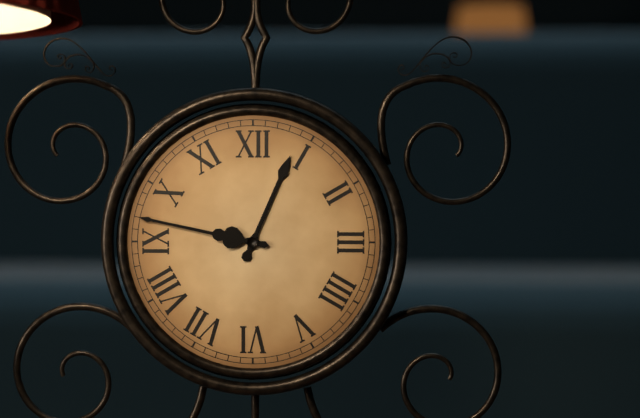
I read 12h47
